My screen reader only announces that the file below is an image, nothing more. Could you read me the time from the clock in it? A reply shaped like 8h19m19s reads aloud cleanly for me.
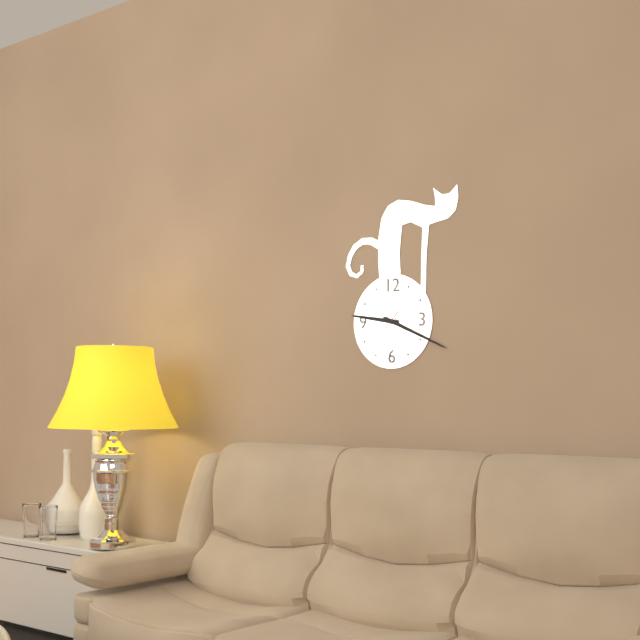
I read 9h19m37s
